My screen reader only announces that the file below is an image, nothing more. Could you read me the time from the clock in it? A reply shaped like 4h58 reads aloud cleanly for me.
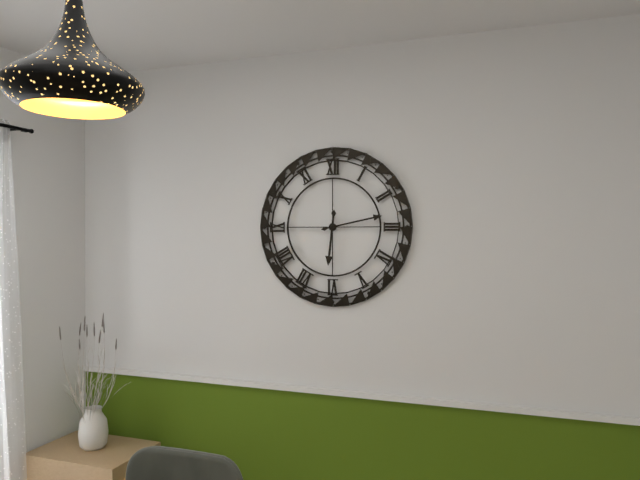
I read 6h13
